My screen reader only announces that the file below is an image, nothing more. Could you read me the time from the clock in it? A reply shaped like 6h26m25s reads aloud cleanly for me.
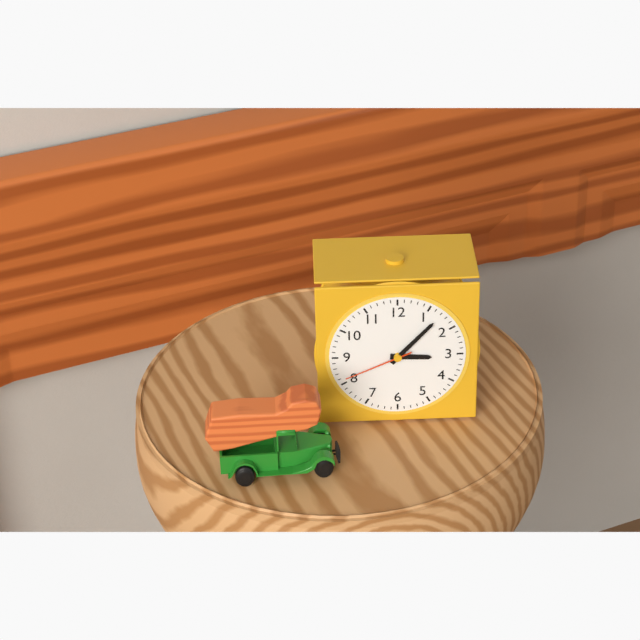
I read 3h07m41s
